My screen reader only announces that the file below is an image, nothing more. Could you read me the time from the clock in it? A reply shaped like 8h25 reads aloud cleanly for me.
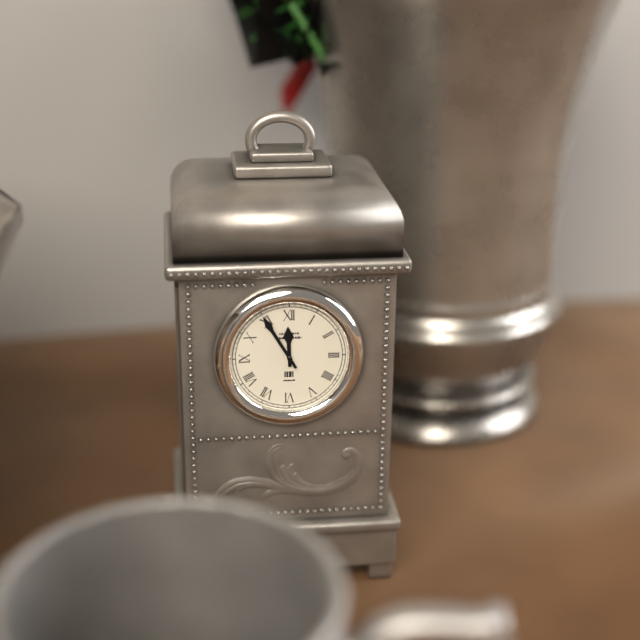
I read 11h55
